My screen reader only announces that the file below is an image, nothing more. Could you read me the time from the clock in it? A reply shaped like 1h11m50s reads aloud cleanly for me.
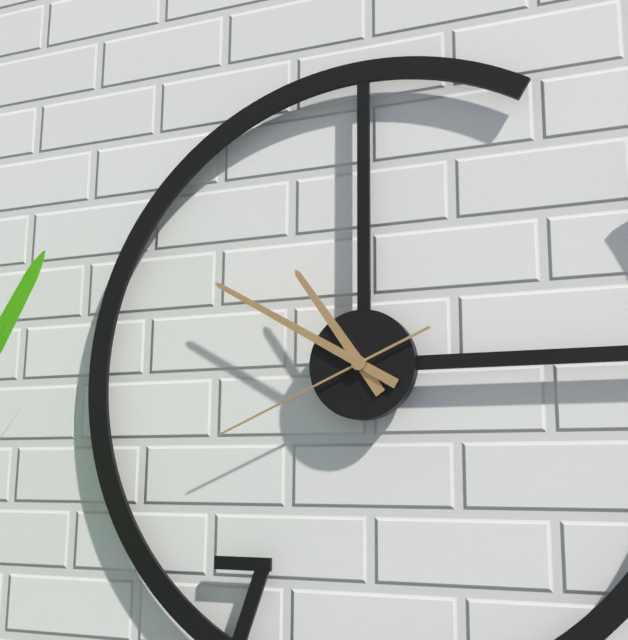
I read 10h50m41s
